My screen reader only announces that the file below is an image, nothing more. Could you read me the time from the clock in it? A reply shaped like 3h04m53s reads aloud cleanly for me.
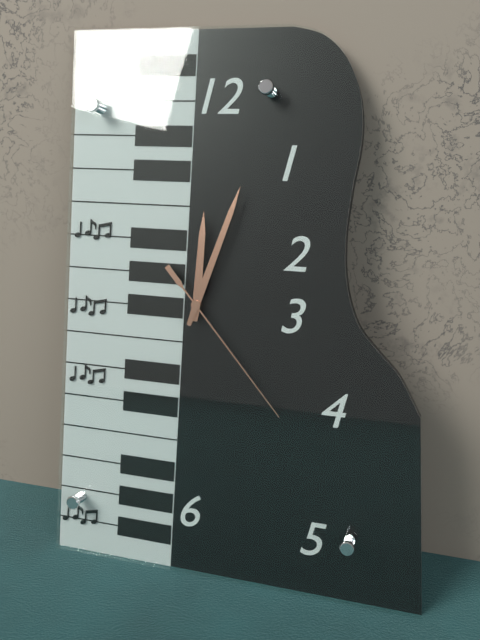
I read 12h03m23s
